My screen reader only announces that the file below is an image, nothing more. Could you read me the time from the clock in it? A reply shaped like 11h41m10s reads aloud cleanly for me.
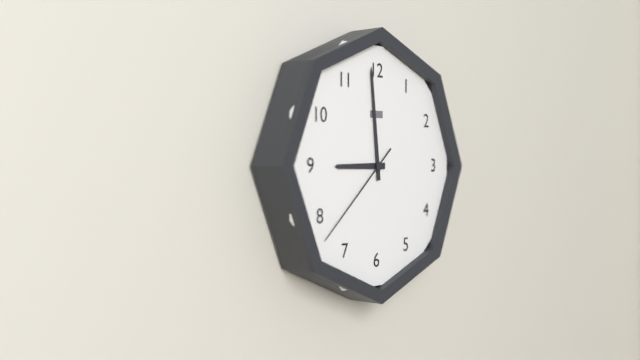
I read 8h59m38s
